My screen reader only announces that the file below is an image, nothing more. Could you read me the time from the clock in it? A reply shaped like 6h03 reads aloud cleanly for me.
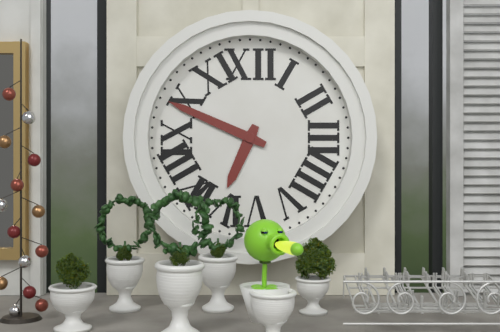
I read 6h49
